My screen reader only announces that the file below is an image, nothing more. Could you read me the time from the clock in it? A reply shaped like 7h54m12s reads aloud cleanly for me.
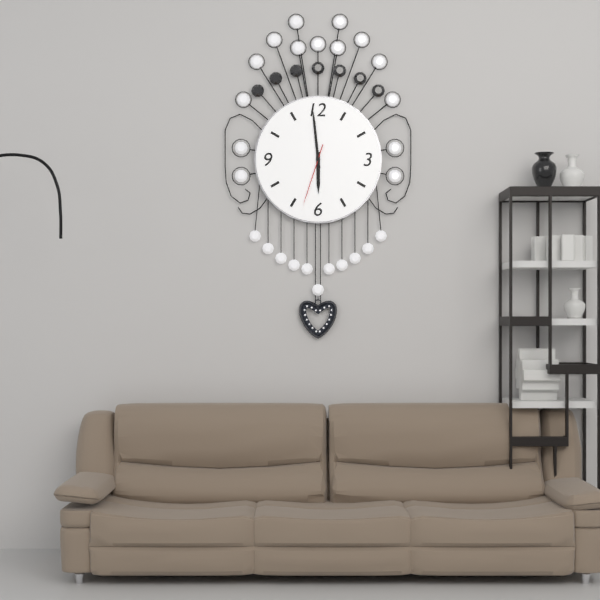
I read 5h59m33s
